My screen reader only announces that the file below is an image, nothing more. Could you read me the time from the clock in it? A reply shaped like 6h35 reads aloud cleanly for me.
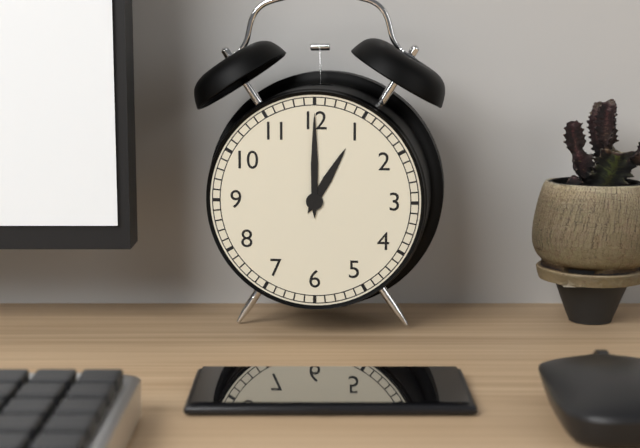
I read 1h00
